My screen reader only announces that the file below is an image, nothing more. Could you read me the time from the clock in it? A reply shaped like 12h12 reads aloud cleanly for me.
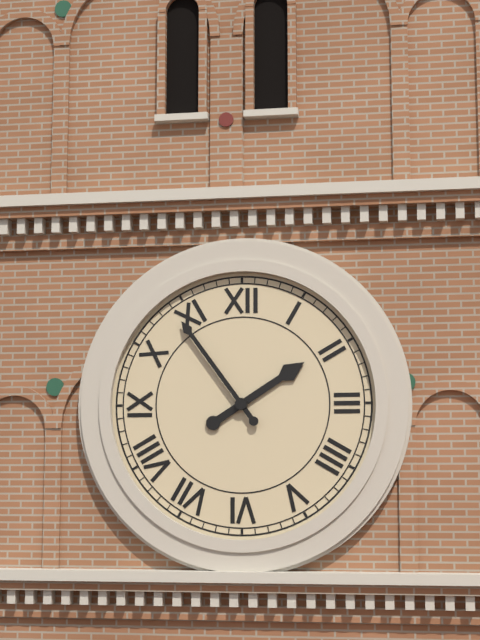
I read 1h54
